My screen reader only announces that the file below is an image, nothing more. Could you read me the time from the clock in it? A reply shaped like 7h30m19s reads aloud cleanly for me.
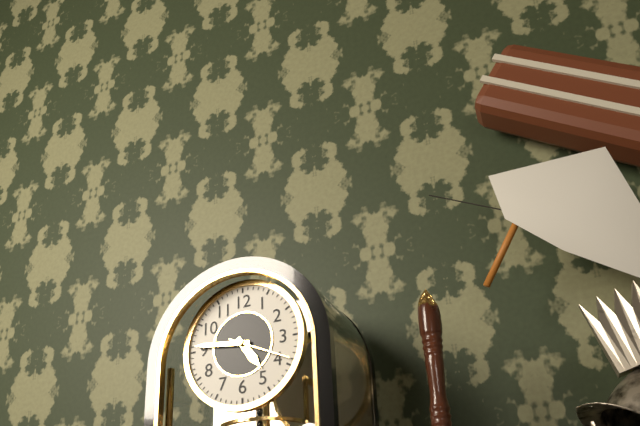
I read 4h46m19s
